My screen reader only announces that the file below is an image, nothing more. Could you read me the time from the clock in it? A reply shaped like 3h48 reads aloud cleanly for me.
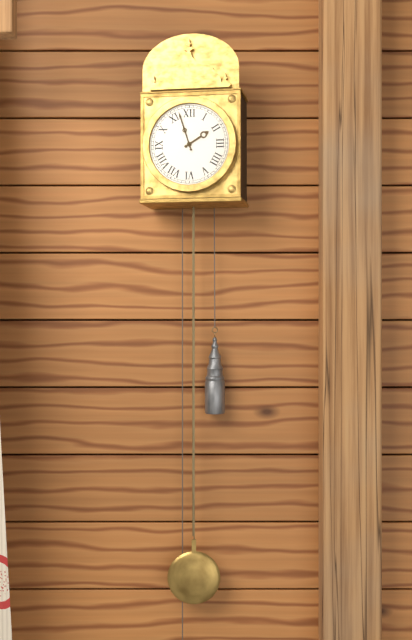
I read 1h57
